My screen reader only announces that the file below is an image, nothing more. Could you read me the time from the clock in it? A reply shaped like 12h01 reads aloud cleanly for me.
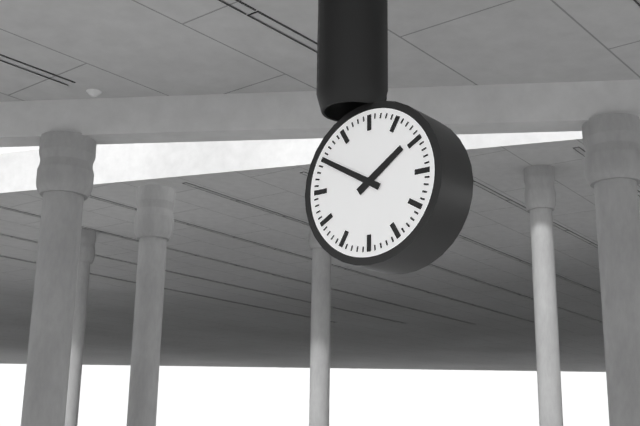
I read 1h50
